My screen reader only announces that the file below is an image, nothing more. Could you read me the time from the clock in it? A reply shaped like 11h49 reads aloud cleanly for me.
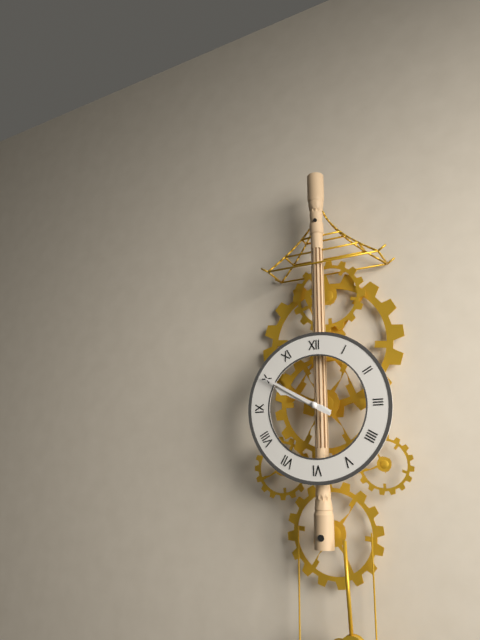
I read 9h50
